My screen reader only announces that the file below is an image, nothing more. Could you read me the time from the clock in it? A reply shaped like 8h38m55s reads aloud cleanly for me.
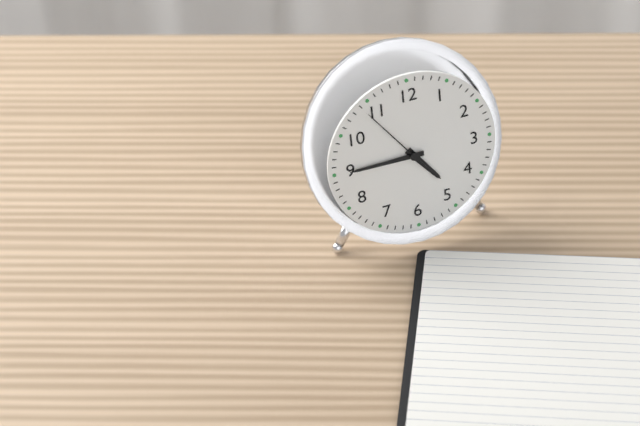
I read 4h45m54s
